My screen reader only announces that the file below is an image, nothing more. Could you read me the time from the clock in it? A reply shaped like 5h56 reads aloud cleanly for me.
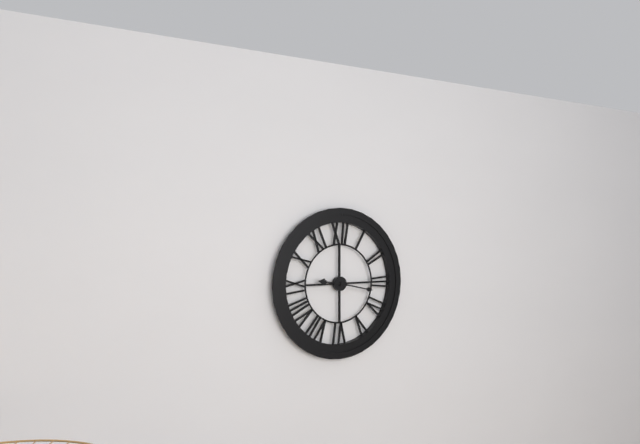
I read 9h17
